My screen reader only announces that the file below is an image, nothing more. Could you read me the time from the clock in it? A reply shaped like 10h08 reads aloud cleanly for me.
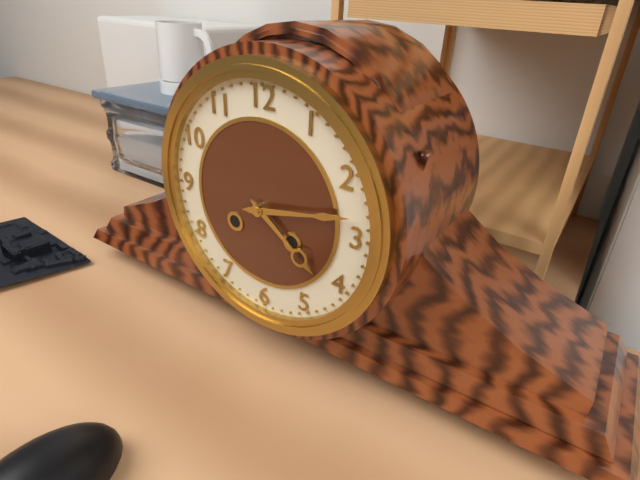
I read 4h13
